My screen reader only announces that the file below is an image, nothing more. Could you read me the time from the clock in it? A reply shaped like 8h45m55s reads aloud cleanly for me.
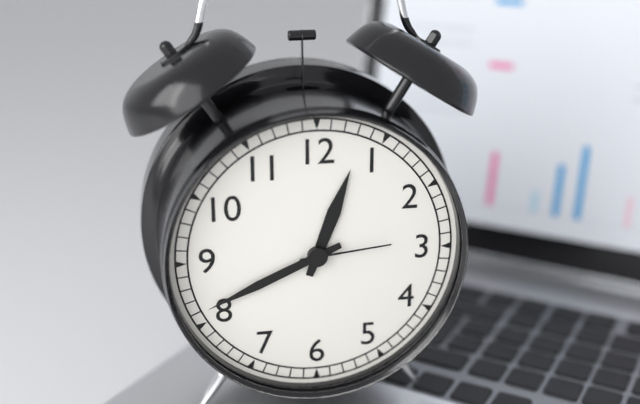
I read 12h41m14s
